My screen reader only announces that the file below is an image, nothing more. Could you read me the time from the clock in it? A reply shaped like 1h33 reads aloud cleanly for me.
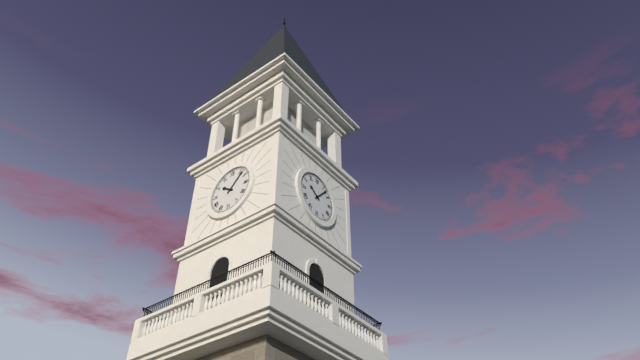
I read 10h07
